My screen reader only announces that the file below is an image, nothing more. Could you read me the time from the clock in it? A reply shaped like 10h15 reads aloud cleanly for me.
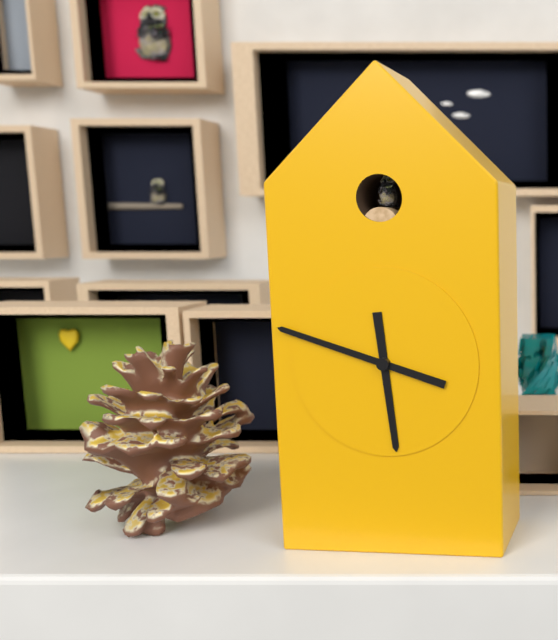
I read 5h48
